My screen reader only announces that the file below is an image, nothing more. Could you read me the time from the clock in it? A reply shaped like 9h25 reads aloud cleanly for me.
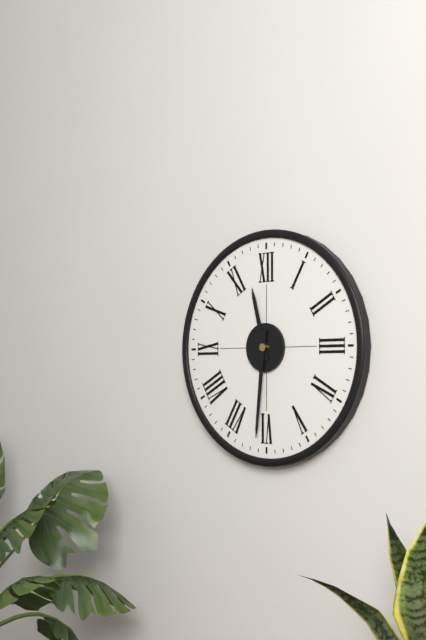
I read 11h31
